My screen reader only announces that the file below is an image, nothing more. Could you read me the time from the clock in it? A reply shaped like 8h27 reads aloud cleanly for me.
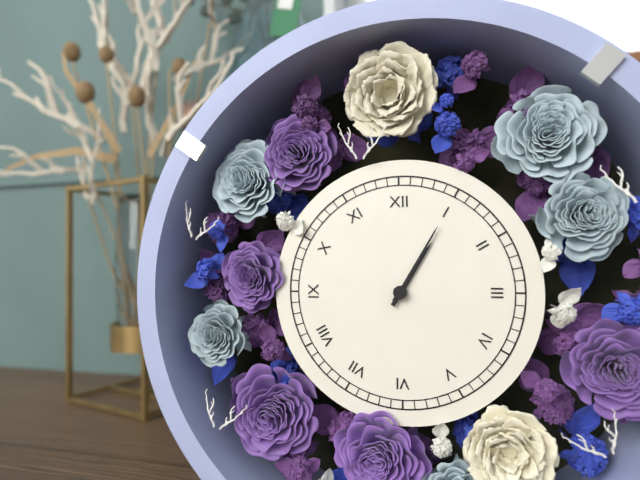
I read 1h05
